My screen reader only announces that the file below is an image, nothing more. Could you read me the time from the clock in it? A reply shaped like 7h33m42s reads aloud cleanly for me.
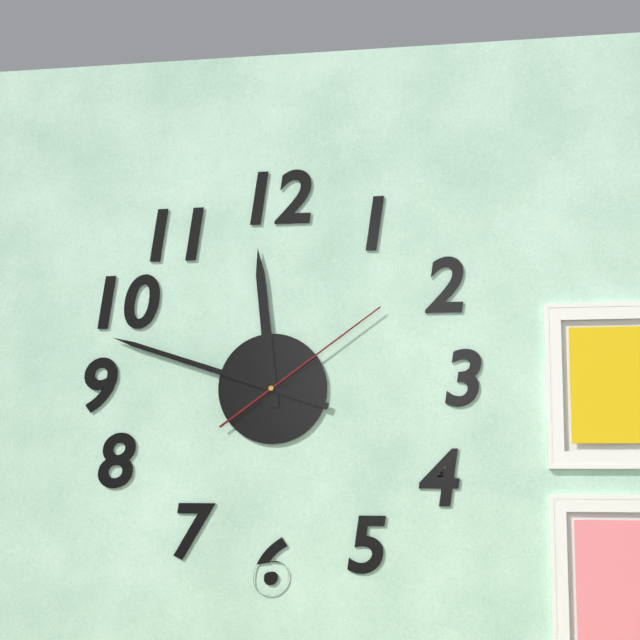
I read 11h48m09s
